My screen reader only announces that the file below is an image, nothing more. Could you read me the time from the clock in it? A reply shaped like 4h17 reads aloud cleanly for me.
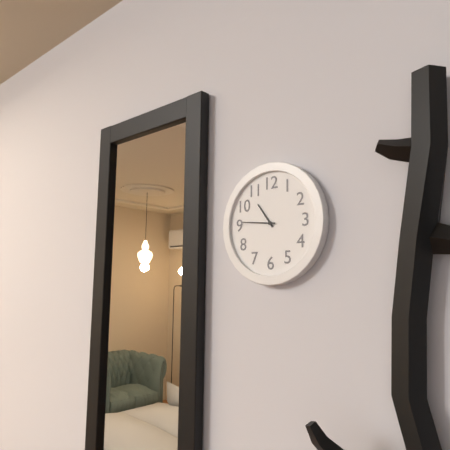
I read 10h46
